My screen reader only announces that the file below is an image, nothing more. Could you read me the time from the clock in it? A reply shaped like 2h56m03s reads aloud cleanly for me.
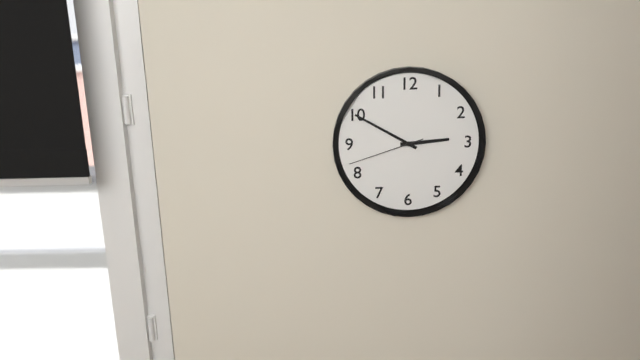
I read 2h50m42s
